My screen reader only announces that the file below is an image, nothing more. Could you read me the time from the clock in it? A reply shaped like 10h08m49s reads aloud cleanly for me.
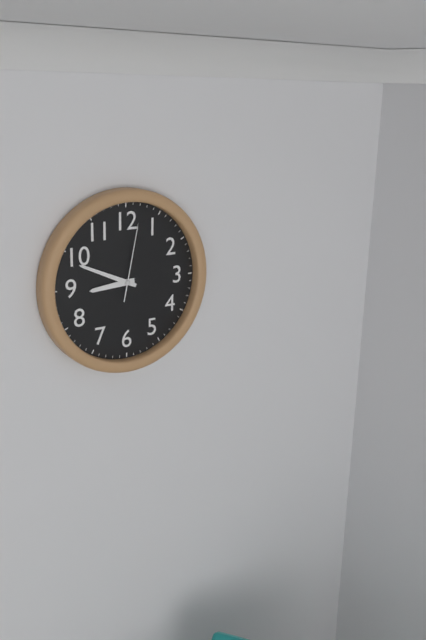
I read 8h49m02s
